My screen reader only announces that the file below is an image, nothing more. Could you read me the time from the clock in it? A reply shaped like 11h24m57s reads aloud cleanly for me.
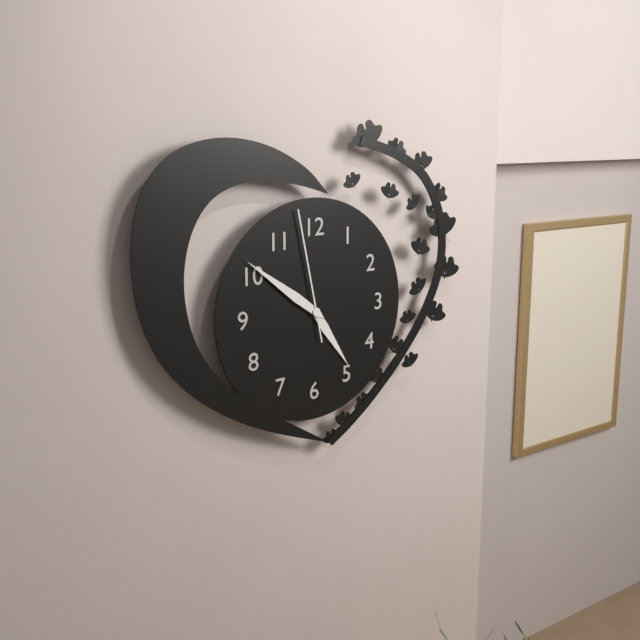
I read 4h51m58s
